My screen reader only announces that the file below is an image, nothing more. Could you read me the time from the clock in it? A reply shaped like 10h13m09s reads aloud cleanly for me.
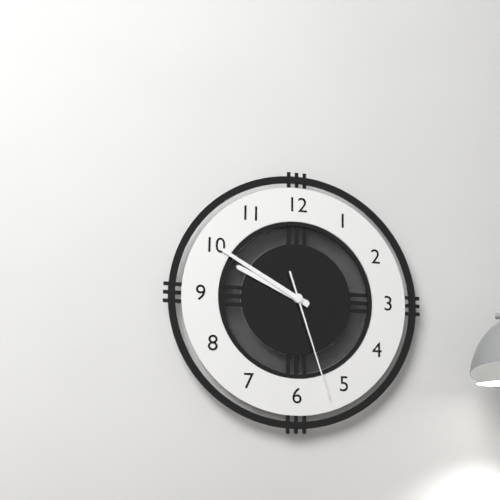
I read 9h50m27s
